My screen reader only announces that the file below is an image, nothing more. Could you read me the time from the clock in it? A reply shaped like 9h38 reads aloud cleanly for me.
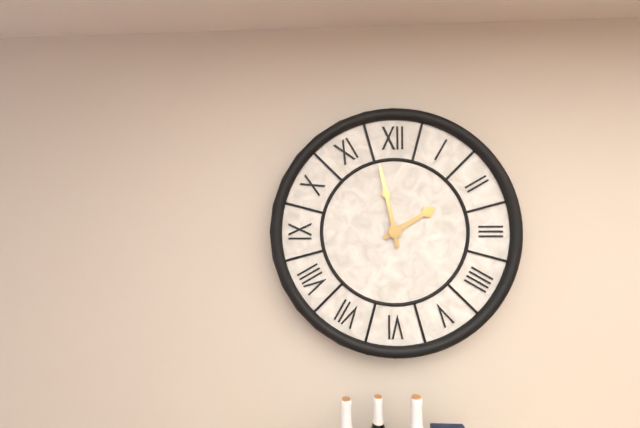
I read 1h58
